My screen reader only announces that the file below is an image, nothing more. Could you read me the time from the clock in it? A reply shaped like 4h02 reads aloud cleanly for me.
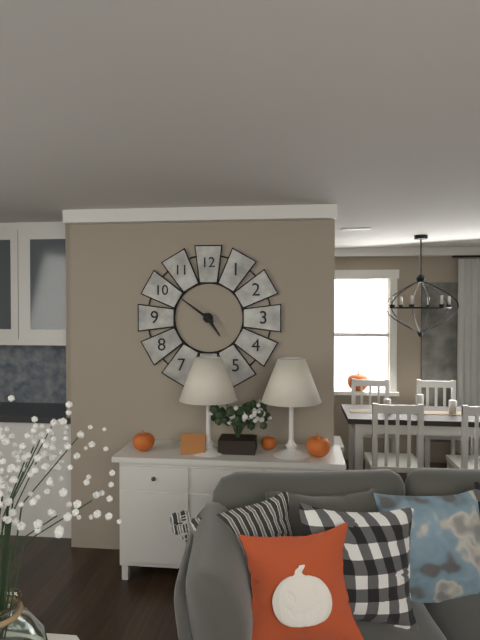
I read 4h51
